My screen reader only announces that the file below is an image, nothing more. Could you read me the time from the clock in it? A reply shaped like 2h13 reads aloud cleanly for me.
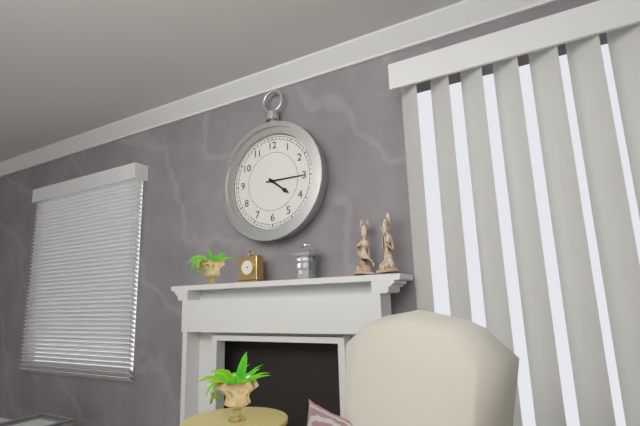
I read 4h15
